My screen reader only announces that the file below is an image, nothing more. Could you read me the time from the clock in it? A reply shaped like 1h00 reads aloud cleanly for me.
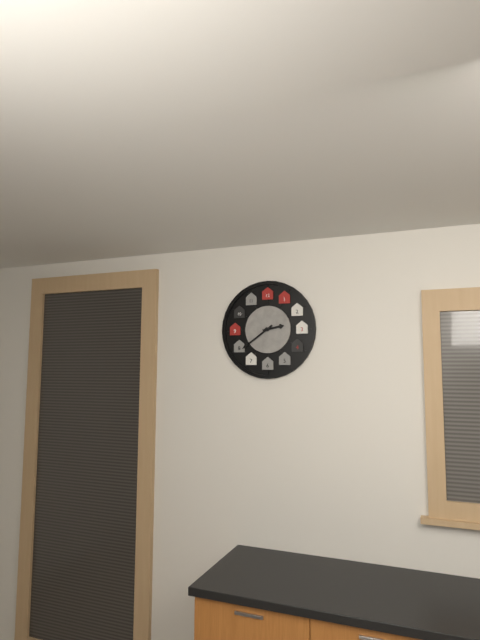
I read 2h39
